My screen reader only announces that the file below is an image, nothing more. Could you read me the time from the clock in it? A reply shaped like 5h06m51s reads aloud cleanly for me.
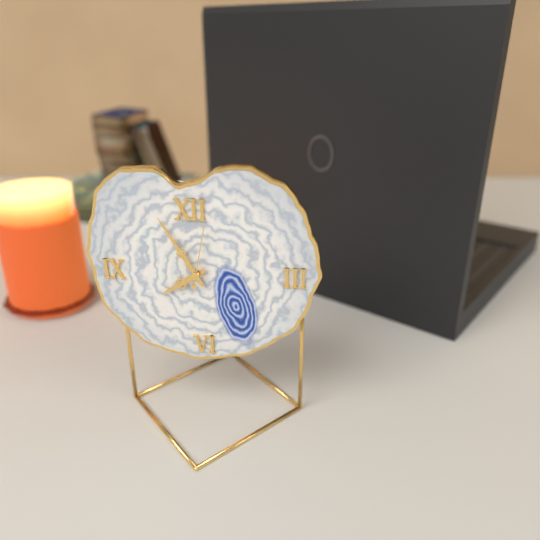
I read 7h55m02s
